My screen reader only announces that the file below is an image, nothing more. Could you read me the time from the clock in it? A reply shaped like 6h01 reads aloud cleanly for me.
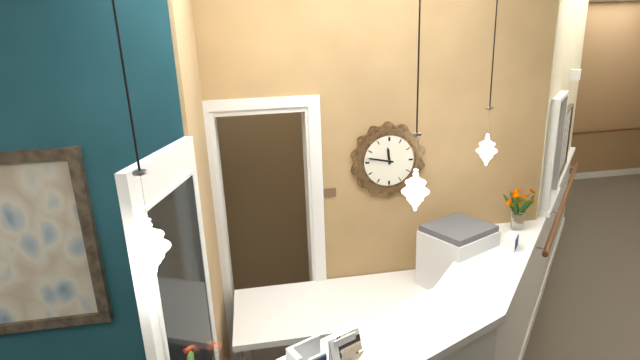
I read 11h47
